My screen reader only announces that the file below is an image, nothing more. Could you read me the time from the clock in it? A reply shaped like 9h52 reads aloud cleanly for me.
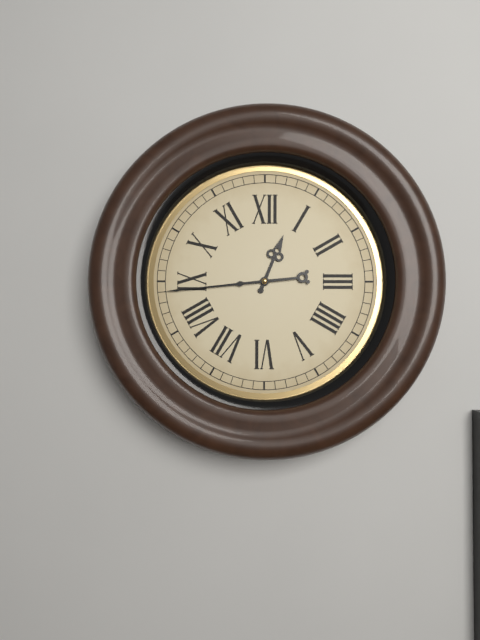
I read 12h44
